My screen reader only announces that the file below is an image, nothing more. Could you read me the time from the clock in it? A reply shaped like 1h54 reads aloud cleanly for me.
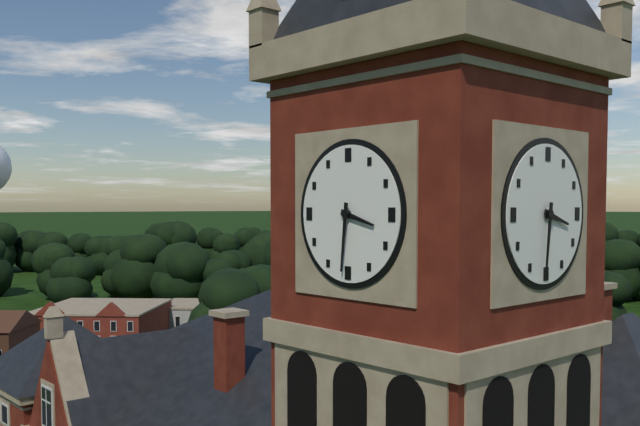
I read 3h31
